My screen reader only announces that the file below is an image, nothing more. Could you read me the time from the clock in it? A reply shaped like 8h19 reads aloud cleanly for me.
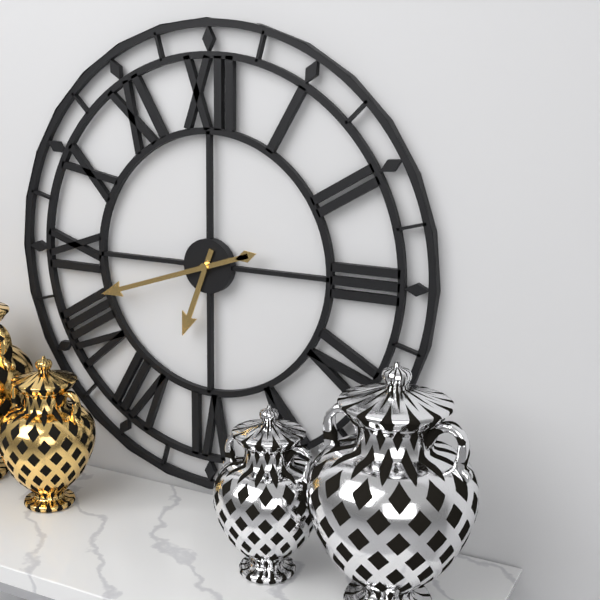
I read 6h42
